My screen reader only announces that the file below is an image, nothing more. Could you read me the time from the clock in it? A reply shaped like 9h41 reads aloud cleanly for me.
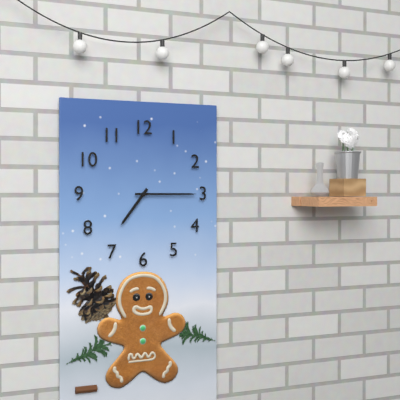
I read 7h15
